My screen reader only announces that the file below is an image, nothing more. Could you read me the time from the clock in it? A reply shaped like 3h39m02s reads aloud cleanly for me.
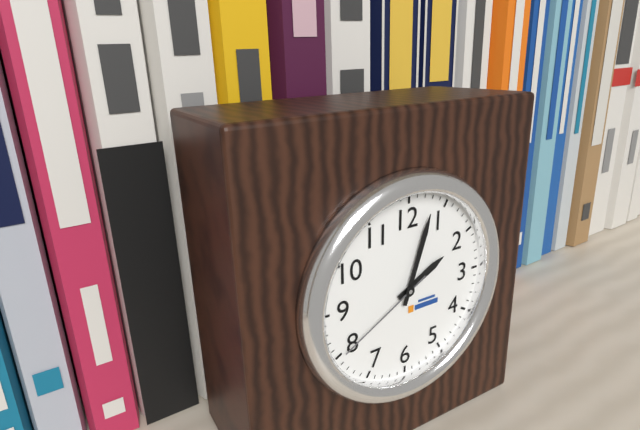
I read 2h03m40s
